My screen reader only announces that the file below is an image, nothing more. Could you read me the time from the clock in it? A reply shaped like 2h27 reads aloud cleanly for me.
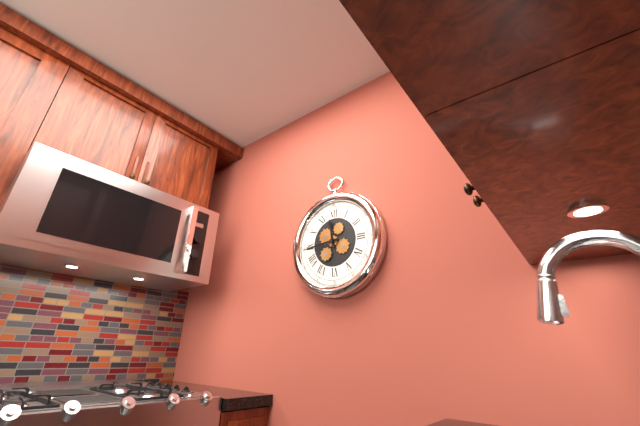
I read 11h44
